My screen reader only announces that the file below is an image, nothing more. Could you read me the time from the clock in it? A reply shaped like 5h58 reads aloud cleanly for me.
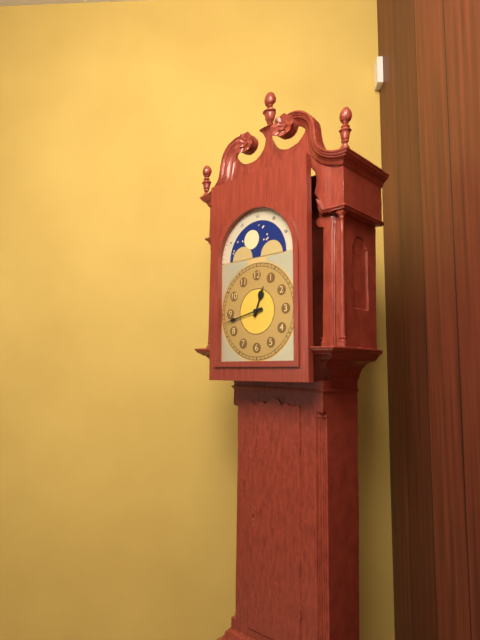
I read 12h43
